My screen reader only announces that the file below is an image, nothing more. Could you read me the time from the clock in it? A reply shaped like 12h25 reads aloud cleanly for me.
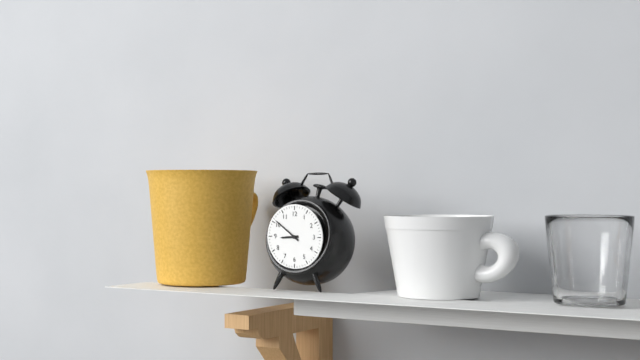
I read 8h51
